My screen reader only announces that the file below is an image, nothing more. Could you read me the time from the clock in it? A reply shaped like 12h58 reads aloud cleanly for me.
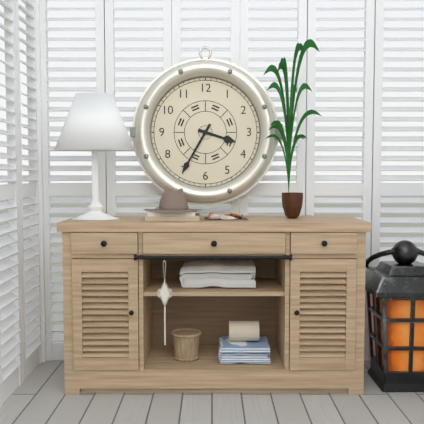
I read 3h35
